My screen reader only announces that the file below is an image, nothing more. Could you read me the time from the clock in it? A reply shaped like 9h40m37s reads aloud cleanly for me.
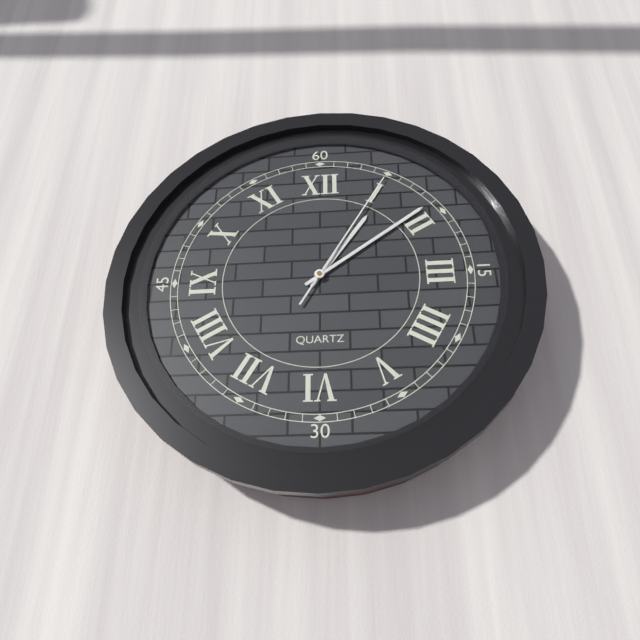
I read 1h09m05s
